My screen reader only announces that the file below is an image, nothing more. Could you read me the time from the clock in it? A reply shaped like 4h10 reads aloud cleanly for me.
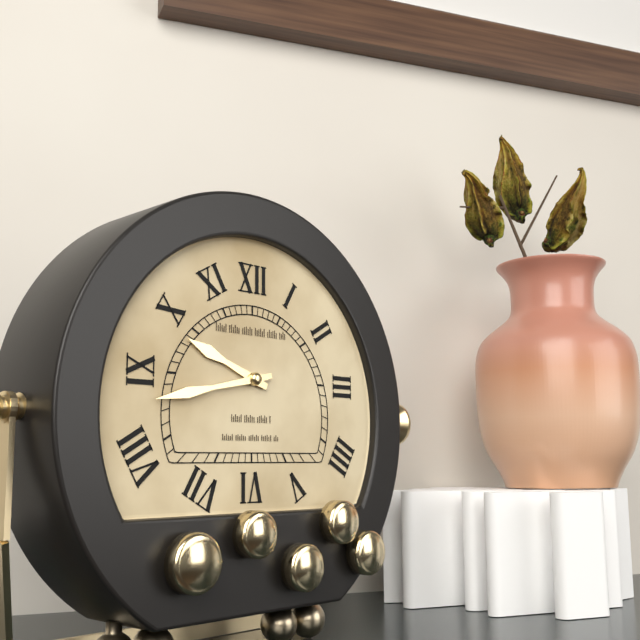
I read 9h43
